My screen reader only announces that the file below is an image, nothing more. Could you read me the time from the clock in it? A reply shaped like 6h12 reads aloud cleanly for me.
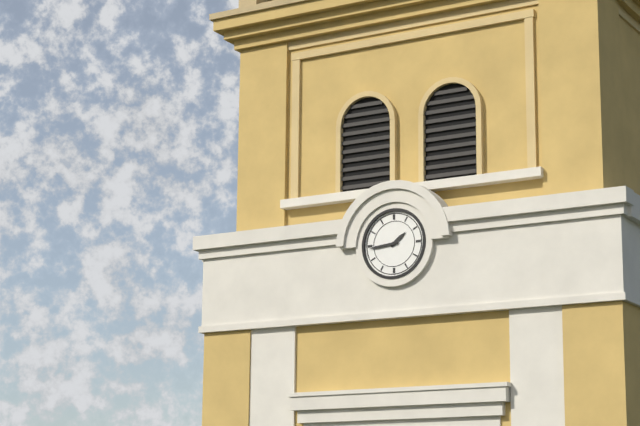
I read 1h44
